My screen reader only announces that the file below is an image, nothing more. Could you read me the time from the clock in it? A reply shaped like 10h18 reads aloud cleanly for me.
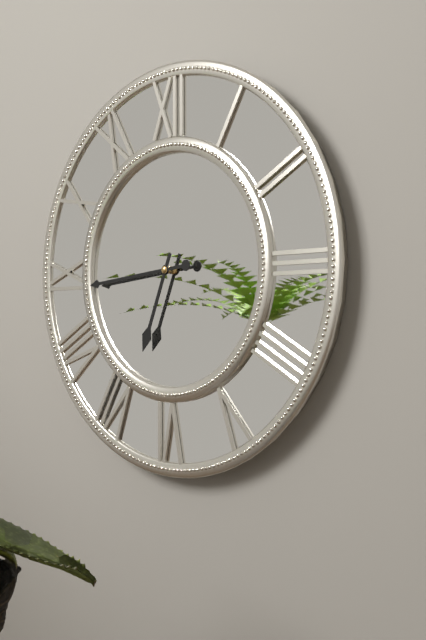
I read 6h44
